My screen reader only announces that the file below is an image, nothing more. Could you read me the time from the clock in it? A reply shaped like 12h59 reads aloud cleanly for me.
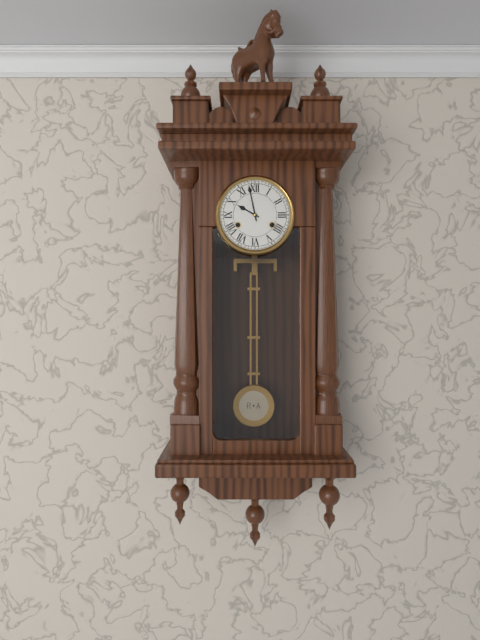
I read 9h58
